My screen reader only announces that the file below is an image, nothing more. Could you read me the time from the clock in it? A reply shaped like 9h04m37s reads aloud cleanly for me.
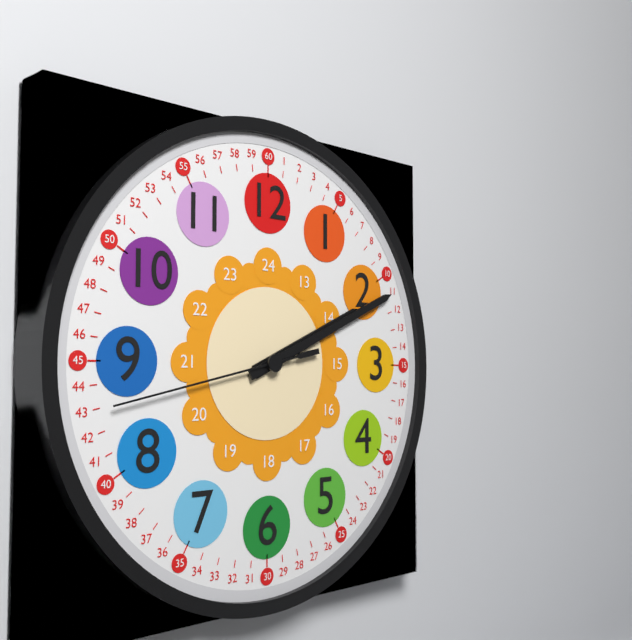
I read 2h11m43s
